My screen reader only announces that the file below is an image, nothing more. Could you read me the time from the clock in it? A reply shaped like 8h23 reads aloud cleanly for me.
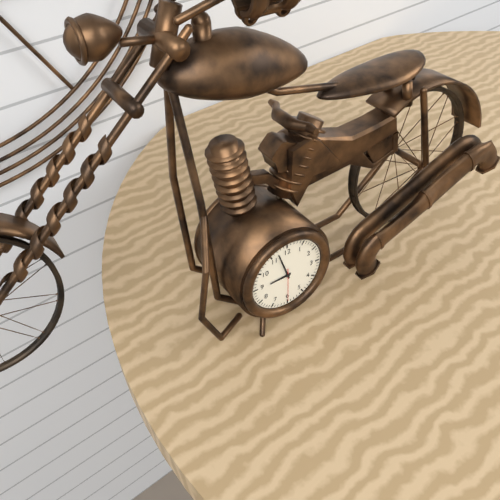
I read 8h57
